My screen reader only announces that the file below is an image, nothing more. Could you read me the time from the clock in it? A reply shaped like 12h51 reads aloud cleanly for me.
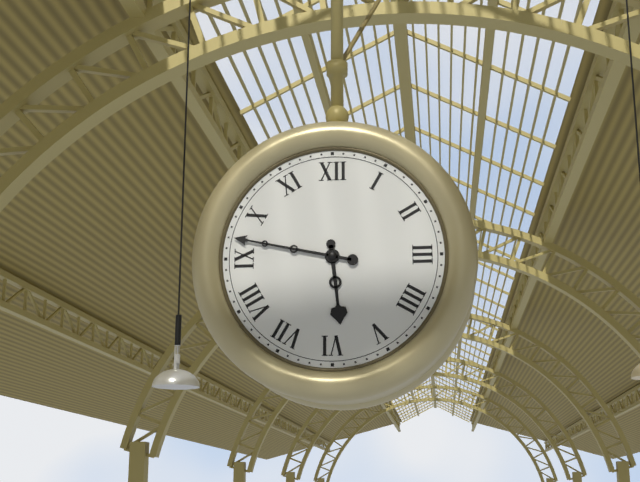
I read 5h47
